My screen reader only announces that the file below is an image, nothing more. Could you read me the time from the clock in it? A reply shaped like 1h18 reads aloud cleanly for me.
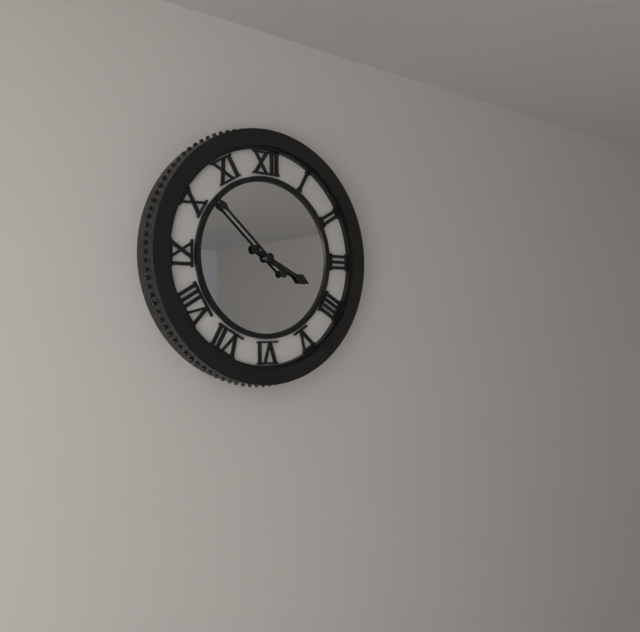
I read 3h52
